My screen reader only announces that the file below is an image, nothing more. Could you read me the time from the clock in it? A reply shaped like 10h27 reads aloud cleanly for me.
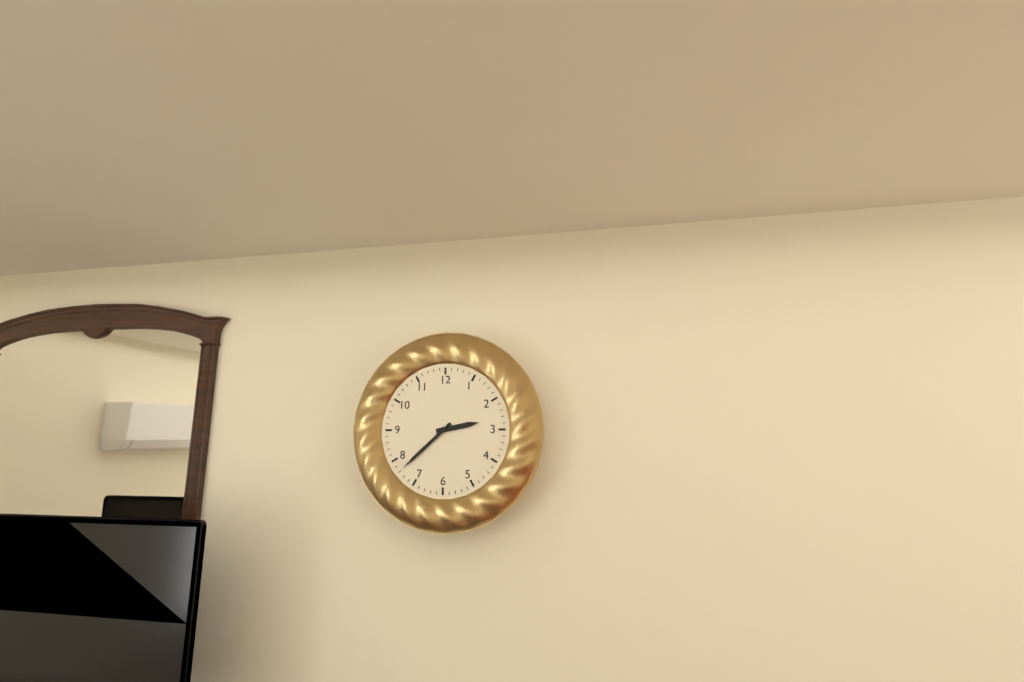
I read 2h38
